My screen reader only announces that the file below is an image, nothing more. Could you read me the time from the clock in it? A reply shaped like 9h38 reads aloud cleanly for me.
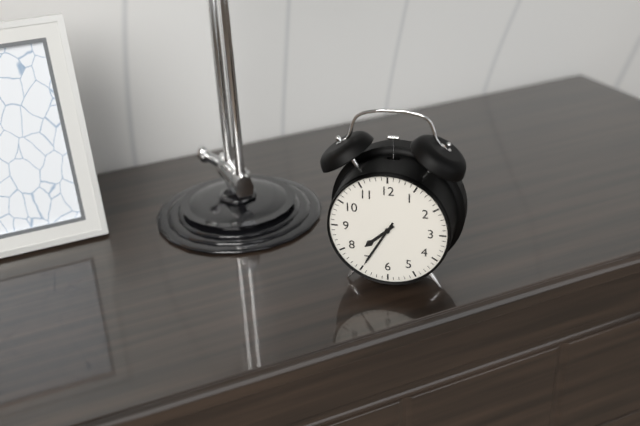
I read 7h35
